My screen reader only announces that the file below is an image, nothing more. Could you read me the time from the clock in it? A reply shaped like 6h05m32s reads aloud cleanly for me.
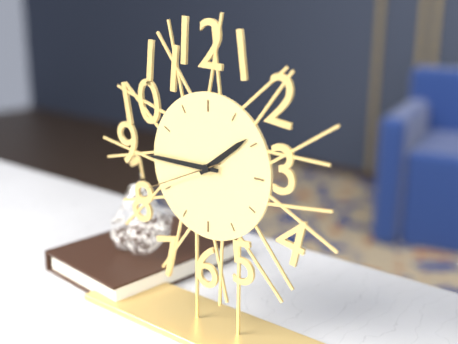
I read 1h45m41s
